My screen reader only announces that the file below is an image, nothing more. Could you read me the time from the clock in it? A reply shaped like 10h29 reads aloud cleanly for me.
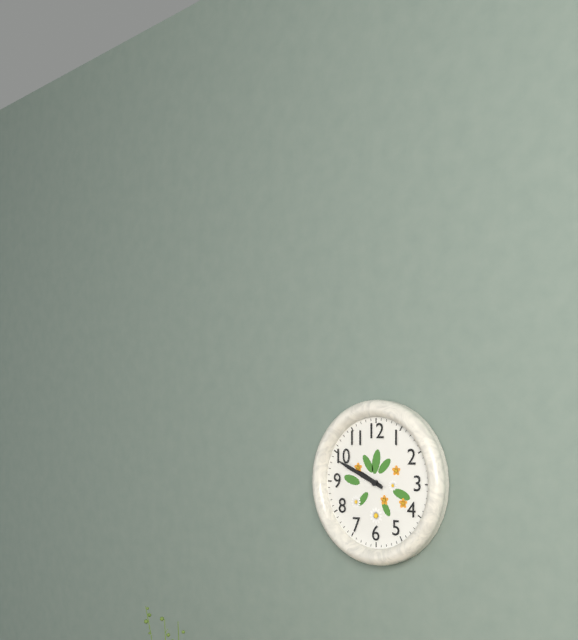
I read 9h49
